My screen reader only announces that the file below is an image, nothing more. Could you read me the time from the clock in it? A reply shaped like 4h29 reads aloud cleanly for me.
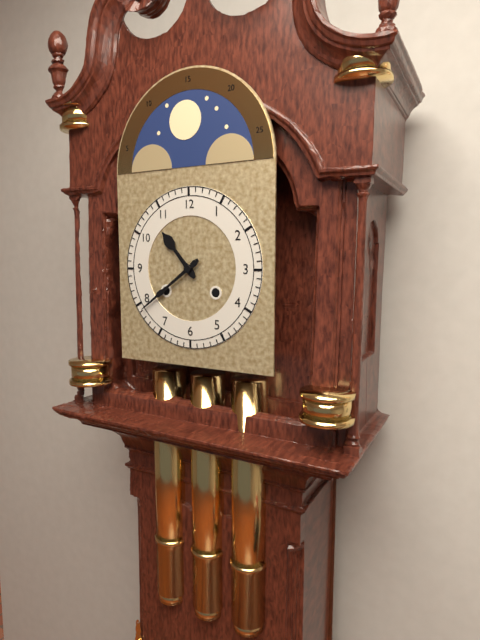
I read 10h39
